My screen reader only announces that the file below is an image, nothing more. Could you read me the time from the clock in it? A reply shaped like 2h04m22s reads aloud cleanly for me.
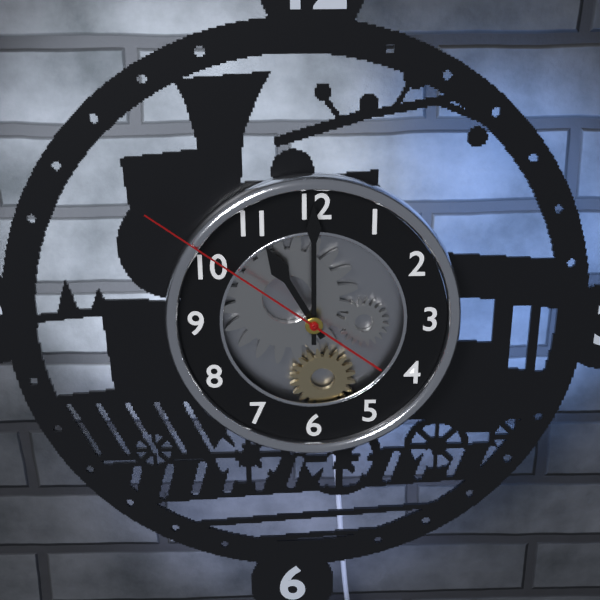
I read 11h00m51s
